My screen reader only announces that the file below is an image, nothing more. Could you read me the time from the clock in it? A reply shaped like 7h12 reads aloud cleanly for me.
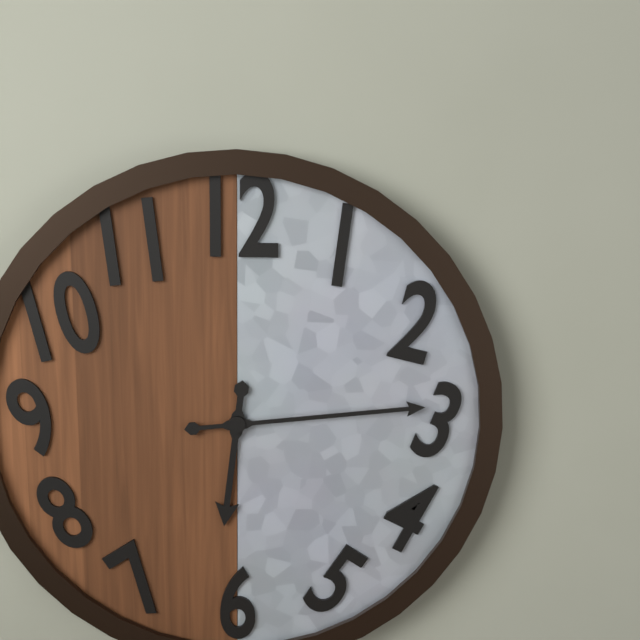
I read 6h14
